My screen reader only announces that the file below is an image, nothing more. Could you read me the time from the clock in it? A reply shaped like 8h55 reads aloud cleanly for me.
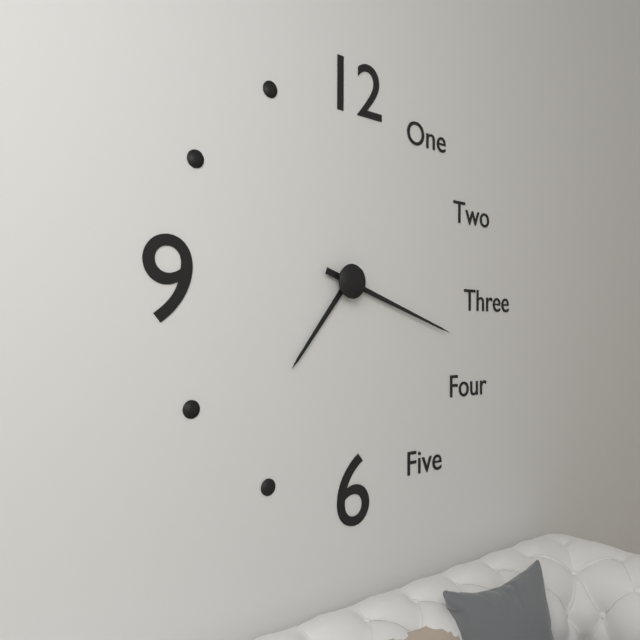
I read 7h18
